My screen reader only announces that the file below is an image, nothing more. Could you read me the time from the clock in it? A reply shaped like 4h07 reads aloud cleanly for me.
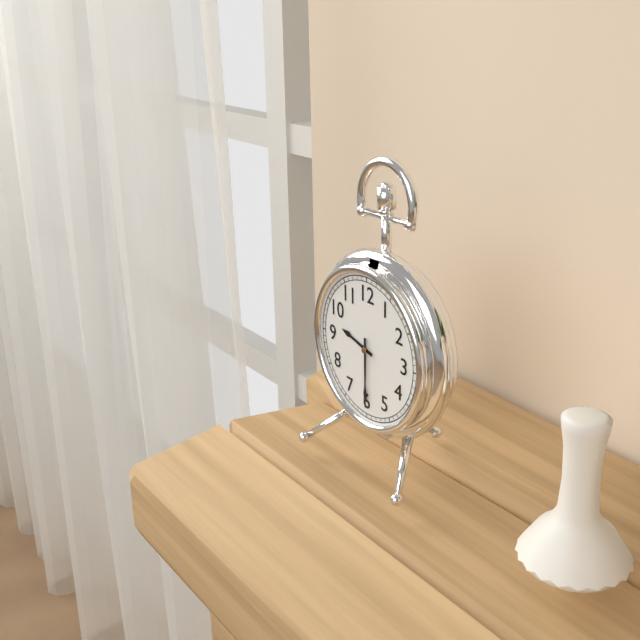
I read 9h30
